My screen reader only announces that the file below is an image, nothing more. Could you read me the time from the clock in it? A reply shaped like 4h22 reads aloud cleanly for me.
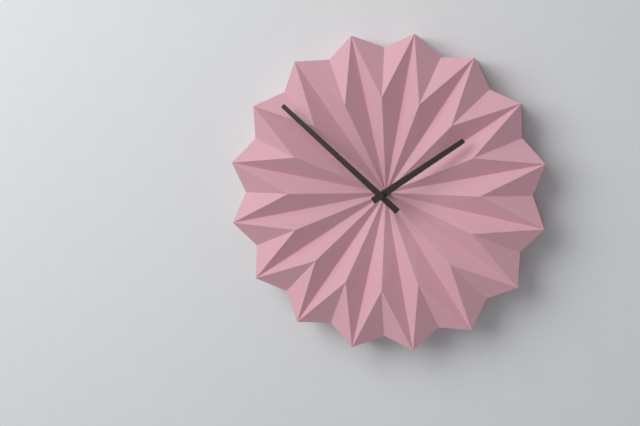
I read 1h52
